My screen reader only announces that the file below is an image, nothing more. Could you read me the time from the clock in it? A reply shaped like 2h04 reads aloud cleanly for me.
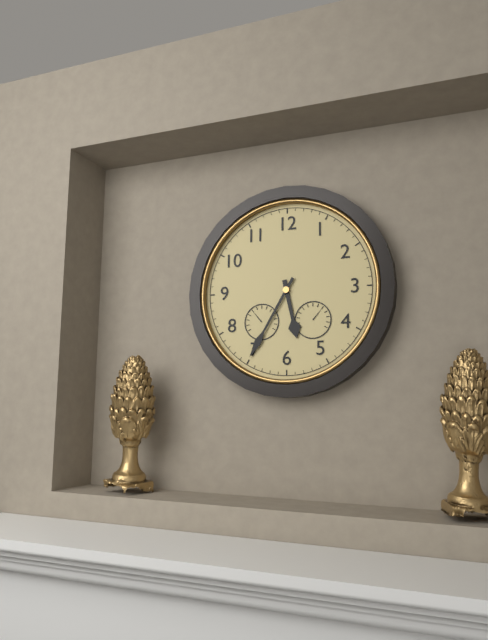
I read 5h35
